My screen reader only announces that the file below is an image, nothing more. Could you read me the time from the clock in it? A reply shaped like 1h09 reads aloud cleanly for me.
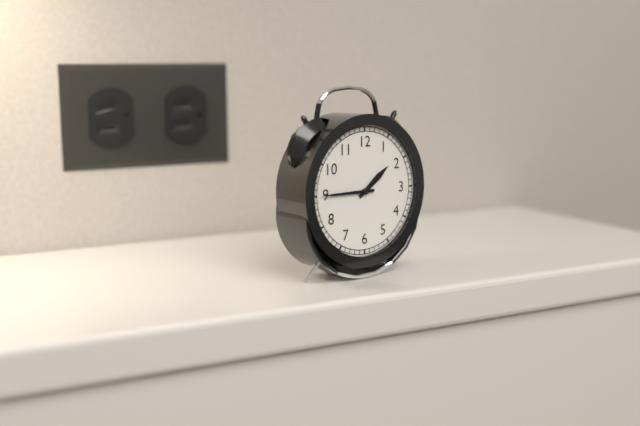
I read 1h45
